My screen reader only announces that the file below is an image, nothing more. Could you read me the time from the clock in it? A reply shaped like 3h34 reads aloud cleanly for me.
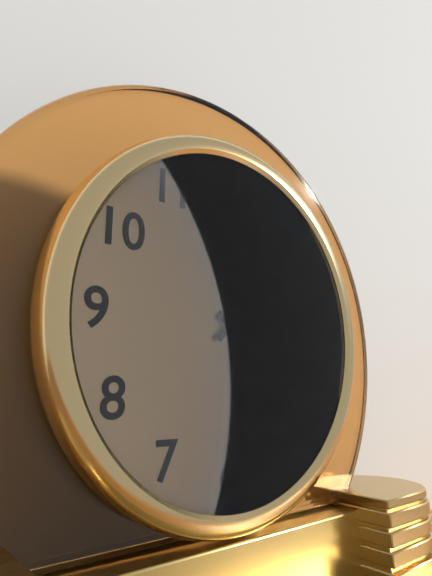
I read 4h08
